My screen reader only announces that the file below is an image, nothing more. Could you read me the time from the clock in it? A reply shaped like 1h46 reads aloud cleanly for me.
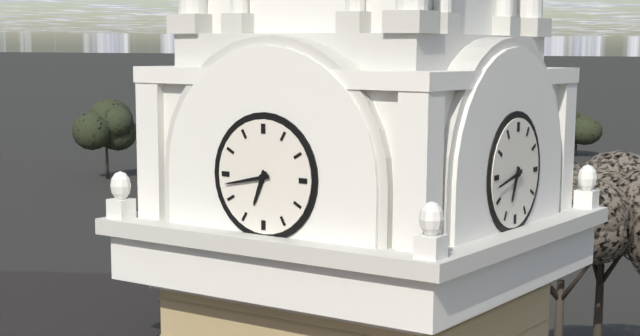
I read 6h43
